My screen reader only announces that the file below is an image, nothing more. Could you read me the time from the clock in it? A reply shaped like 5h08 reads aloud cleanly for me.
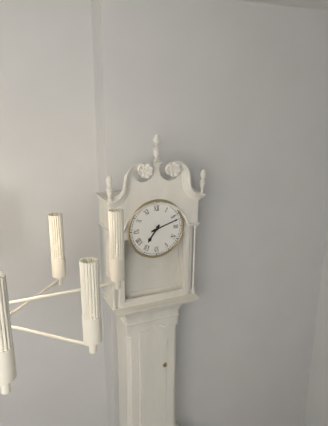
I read 7h12
